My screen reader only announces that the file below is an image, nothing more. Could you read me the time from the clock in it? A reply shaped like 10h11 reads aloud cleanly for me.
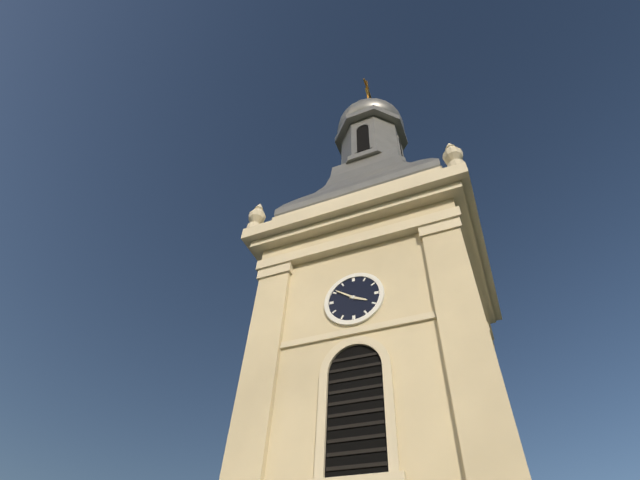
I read 3h51
